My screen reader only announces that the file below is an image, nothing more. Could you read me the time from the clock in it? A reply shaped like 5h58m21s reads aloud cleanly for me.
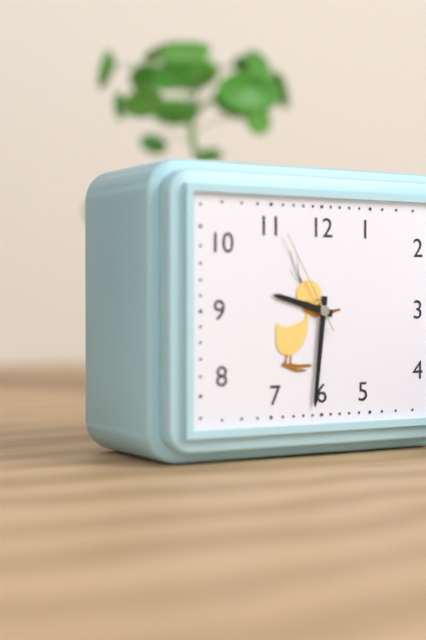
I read 9h31m55s
